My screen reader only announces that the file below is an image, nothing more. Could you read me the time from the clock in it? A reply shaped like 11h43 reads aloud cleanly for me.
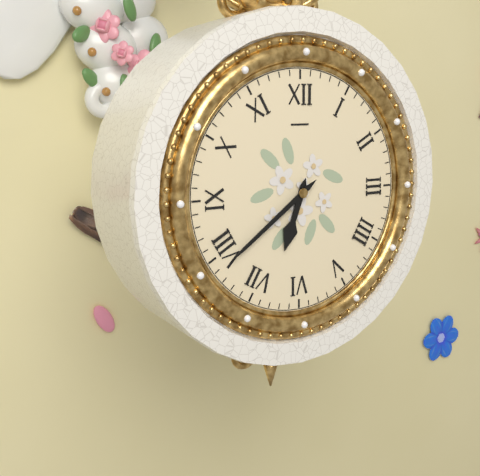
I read 6h39
